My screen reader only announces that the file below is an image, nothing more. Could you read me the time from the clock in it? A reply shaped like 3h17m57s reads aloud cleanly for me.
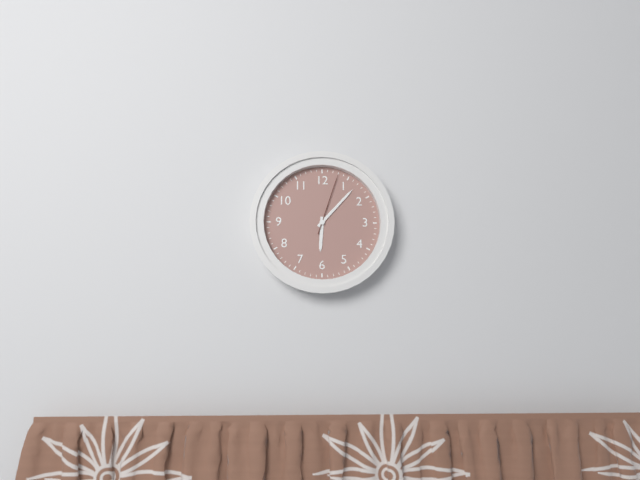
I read 6h07m03s
